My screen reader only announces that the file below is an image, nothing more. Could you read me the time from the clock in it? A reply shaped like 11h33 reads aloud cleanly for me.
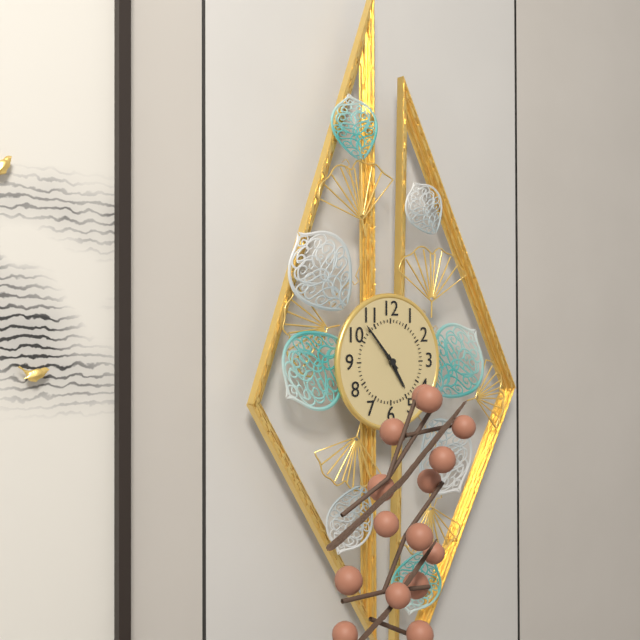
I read 4h53
